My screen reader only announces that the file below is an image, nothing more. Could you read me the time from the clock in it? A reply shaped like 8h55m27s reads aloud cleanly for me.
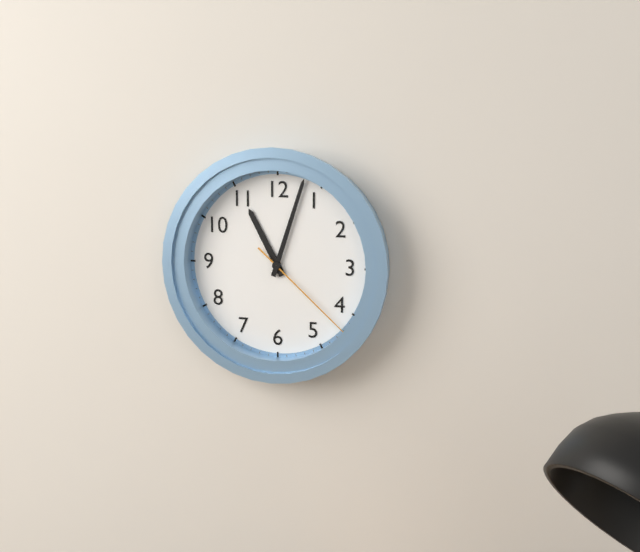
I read 11h03m22s
